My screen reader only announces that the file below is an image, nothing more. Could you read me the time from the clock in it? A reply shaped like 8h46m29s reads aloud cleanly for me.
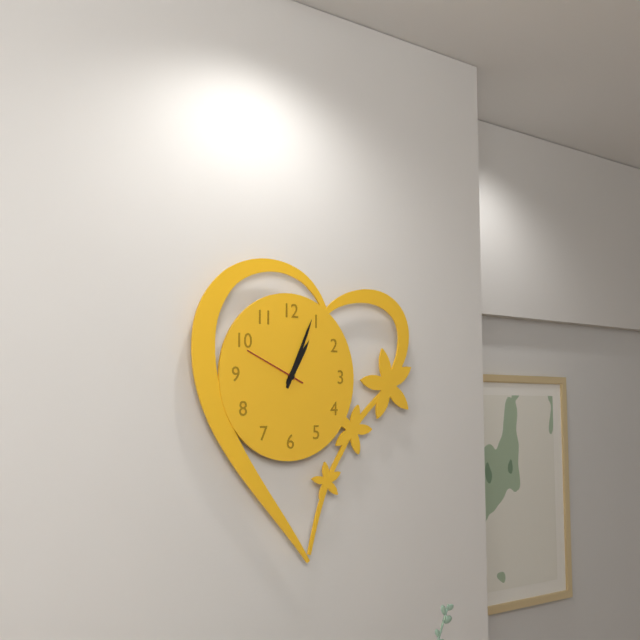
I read 1h04m49s
